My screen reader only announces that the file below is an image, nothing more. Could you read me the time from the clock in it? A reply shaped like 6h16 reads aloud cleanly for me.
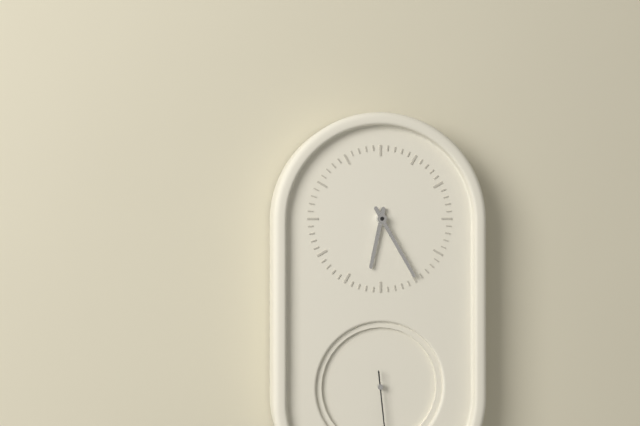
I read 6h25
